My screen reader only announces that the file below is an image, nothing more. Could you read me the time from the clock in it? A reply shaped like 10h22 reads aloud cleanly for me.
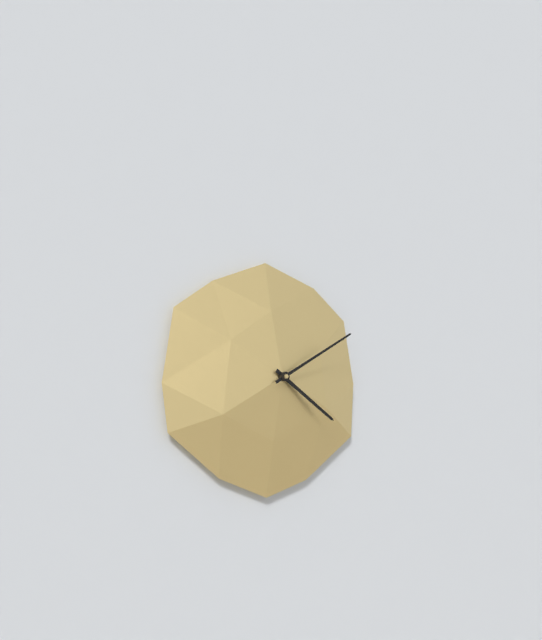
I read 4h10
